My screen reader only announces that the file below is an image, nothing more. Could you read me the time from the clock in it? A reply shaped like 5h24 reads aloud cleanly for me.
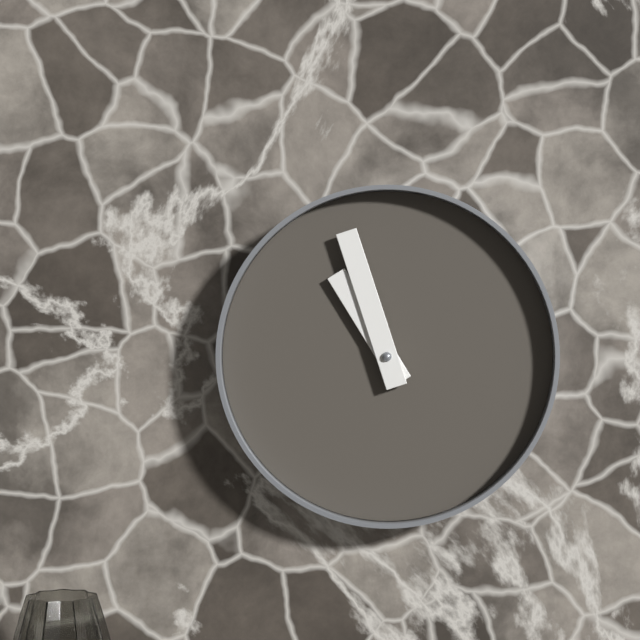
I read 10h57
